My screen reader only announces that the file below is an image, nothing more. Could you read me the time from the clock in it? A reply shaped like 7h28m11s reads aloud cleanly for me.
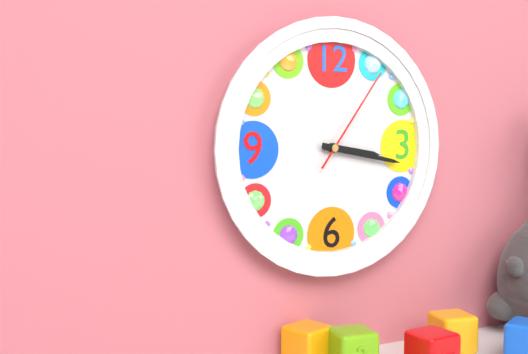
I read 3h17m06s
